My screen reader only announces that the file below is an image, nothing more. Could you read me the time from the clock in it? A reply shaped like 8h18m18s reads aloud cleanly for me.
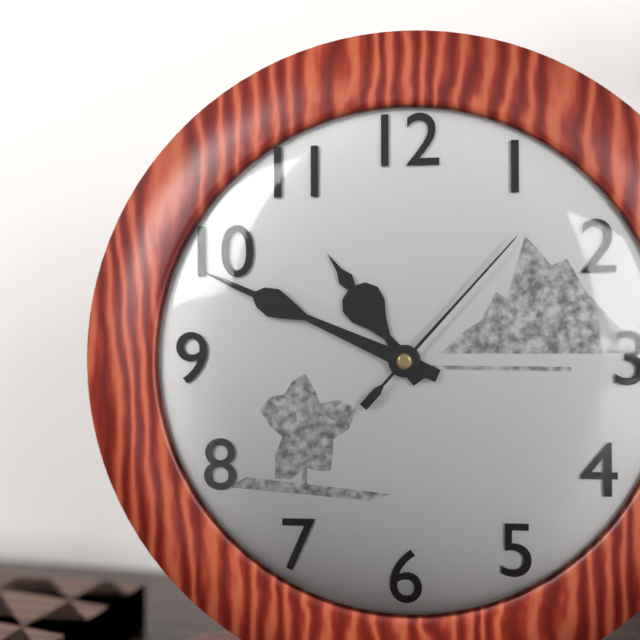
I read 10h49m07s
